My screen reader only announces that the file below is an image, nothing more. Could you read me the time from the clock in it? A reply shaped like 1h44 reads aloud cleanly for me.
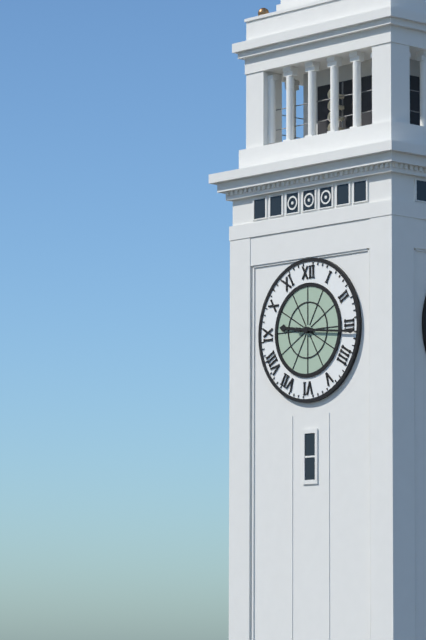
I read 9h16
